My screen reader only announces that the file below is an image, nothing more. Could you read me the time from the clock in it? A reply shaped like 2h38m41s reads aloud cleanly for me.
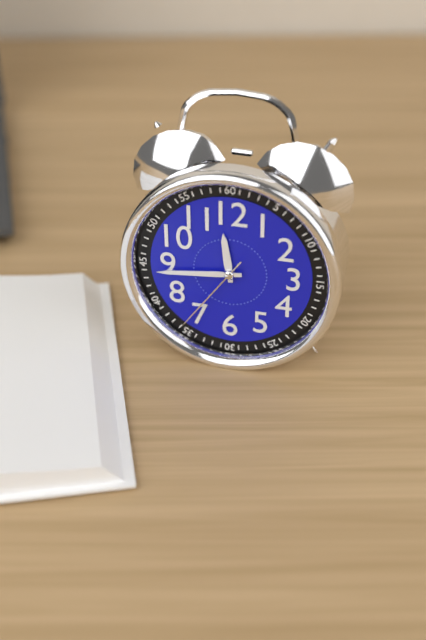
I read 11h44m36s
